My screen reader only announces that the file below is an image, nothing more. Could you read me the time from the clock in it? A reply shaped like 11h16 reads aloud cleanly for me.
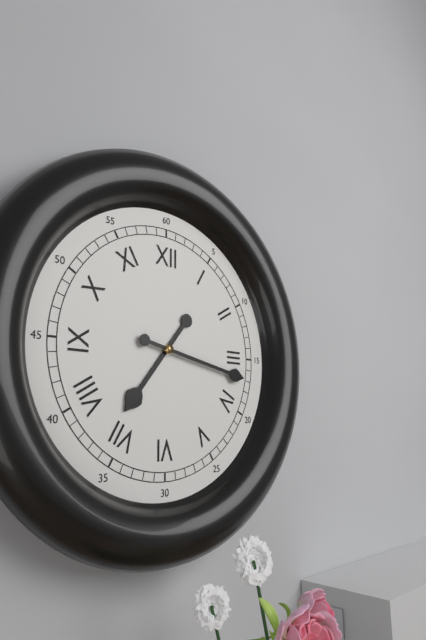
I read 7h17
